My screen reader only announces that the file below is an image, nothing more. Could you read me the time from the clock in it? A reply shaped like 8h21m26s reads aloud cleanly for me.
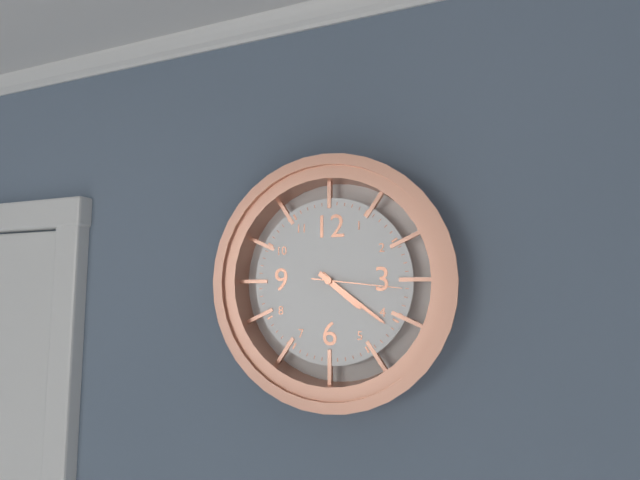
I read 4h21m16s
